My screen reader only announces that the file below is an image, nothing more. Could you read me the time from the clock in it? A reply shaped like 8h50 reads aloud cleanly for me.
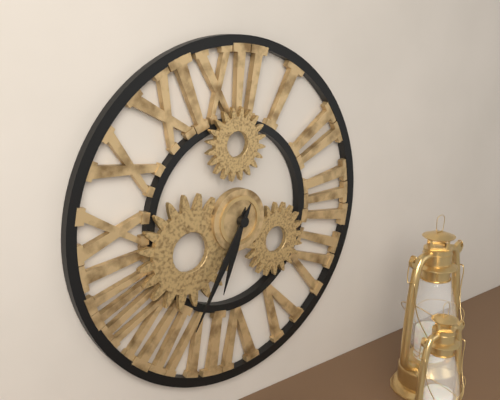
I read 6h35
